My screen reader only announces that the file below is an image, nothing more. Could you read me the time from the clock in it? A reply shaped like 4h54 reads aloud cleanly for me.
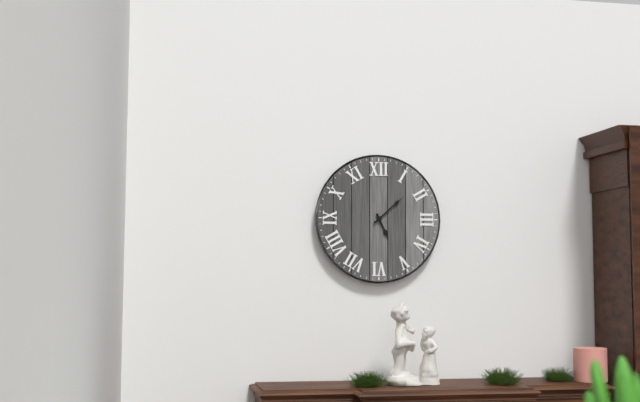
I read 5h08
